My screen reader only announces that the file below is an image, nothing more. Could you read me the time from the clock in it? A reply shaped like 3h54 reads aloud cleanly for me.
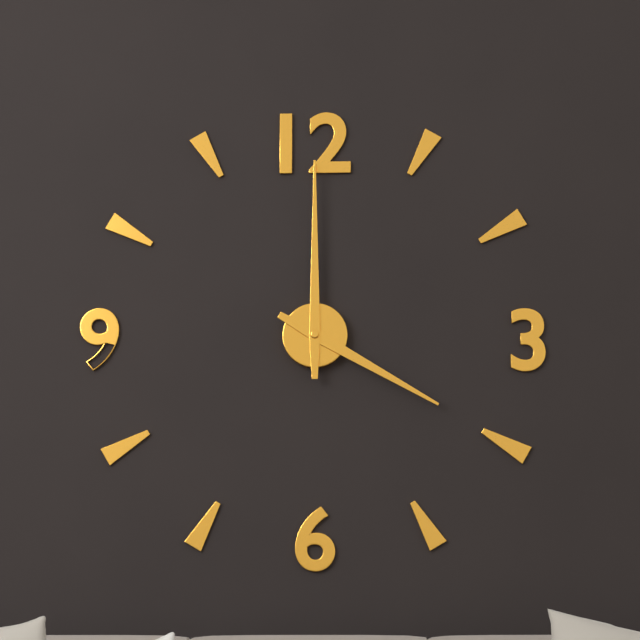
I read 4h00
